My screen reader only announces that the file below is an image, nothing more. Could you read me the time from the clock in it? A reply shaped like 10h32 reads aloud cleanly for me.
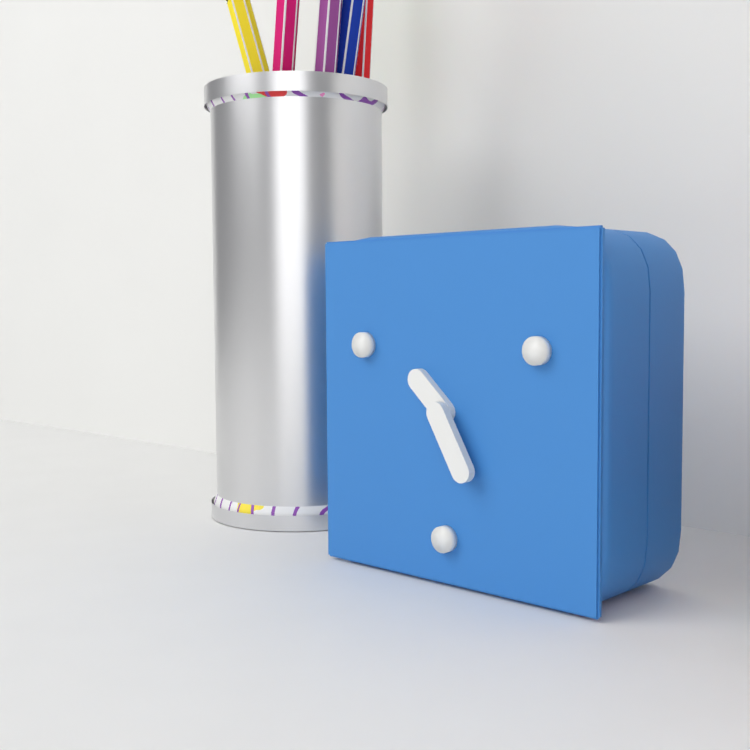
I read 10h25
